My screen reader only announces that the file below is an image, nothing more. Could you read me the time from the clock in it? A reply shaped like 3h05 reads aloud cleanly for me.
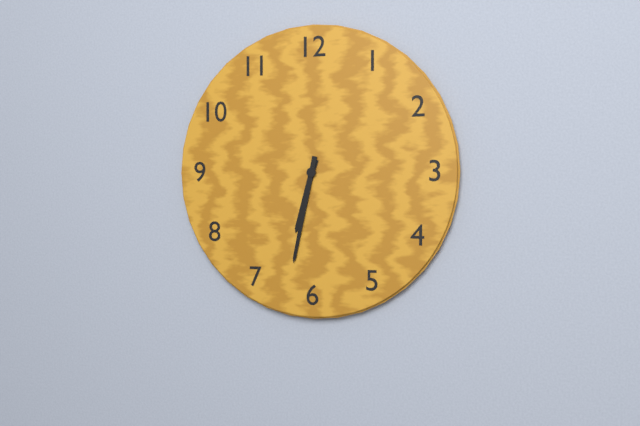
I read 6h32
